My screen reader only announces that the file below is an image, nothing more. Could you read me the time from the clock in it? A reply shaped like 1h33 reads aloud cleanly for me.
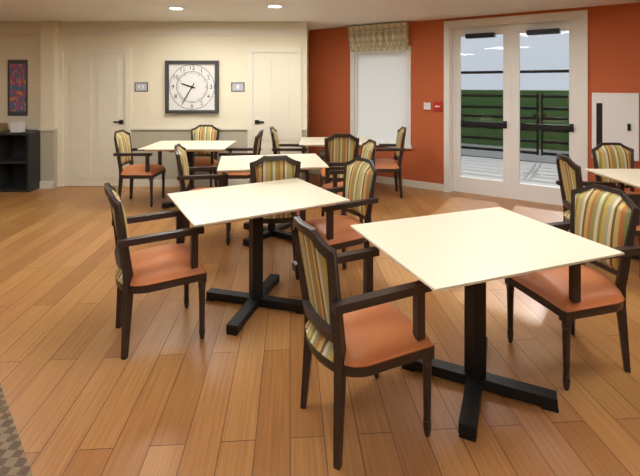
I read 9h35
